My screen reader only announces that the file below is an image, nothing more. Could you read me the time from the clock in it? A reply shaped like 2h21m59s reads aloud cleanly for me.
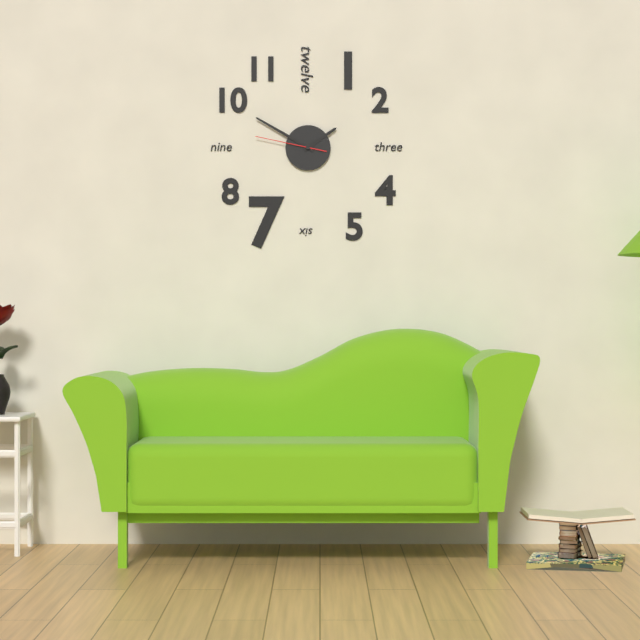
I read 1h50m47s
